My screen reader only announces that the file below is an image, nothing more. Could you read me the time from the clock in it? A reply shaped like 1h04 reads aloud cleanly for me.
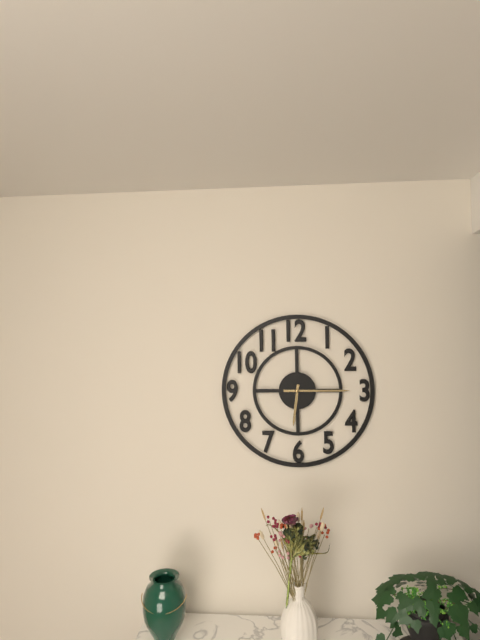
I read 6h15
